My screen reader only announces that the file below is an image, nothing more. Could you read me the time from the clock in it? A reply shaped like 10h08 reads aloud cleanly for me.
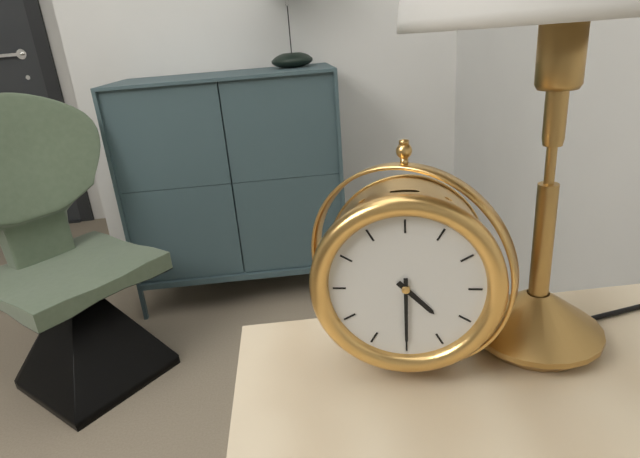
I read 4h30
